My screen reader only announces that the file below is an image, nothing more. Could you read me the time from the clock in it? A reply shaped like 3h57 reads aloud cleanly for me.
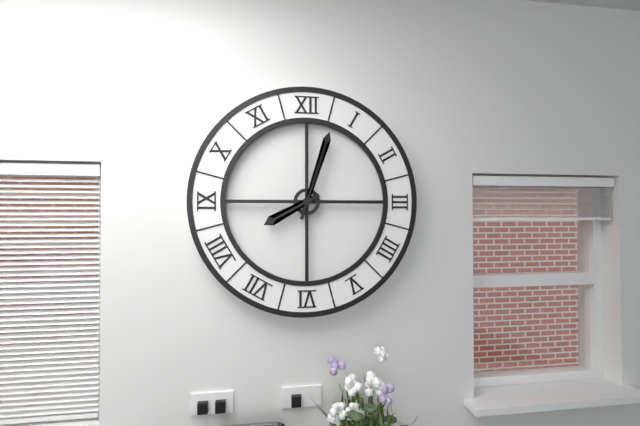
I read 8h03
